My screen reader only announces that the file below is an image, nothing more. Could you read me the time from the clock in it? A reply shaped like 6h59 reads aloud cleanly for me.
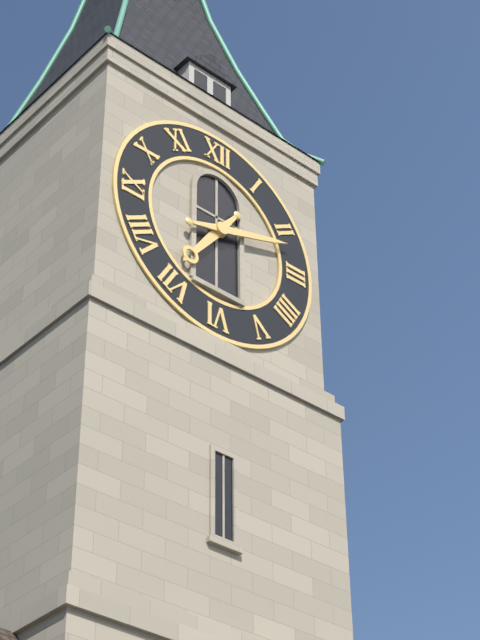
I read 7h12
